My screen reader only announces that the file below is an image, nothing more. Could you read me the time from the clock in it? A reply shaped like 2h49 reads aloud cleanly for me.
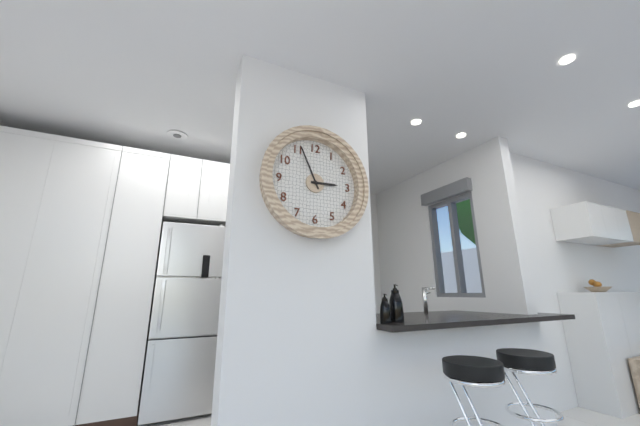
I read 2h56
